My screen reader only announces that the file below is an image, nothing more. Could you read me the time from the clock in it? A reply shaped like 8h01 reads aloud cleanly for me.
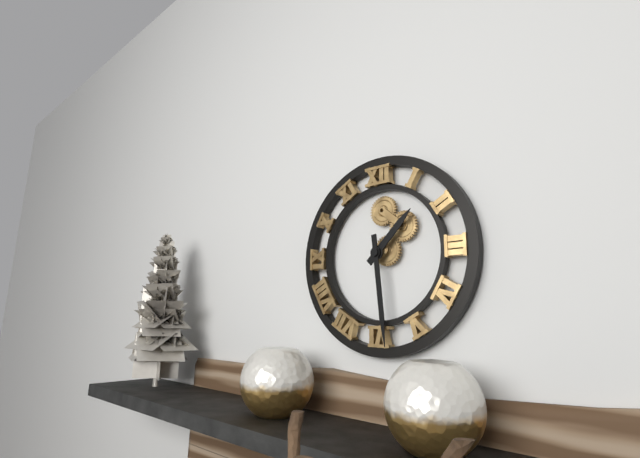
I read 1h29
